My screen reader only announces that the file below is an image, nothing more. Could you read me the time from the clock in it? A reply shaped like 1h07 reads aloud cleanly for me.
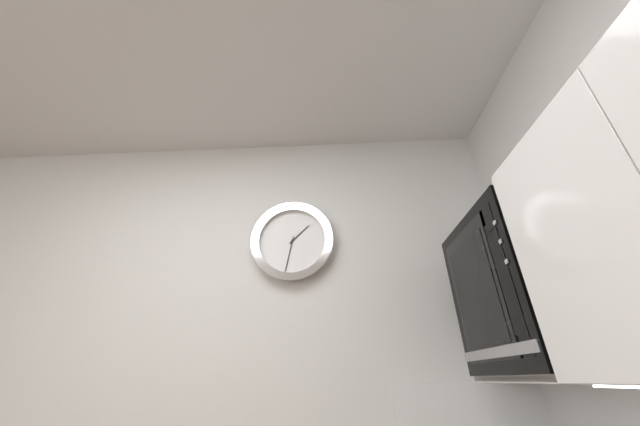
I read 1h32
